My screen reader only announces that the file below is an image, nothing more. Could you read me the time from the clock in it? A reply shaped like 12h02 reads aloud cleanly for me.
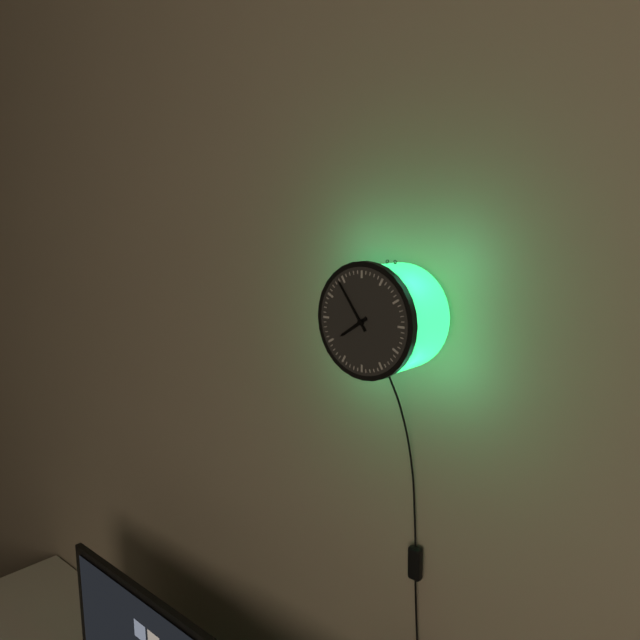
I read 7h54
